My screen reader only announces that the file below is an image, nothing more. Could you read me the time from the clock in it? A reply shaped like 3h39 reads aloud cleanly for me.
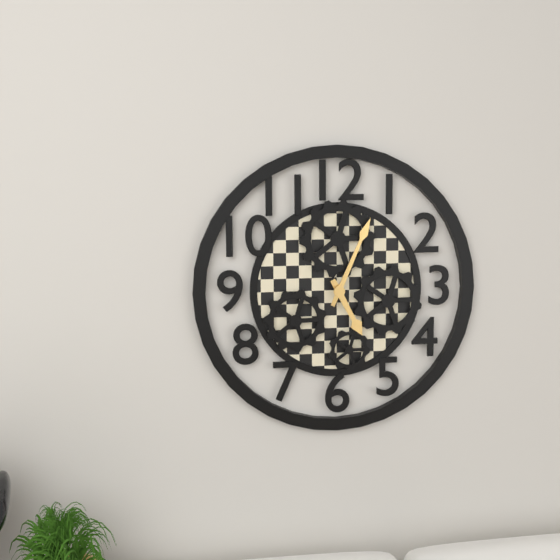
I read 5h04
